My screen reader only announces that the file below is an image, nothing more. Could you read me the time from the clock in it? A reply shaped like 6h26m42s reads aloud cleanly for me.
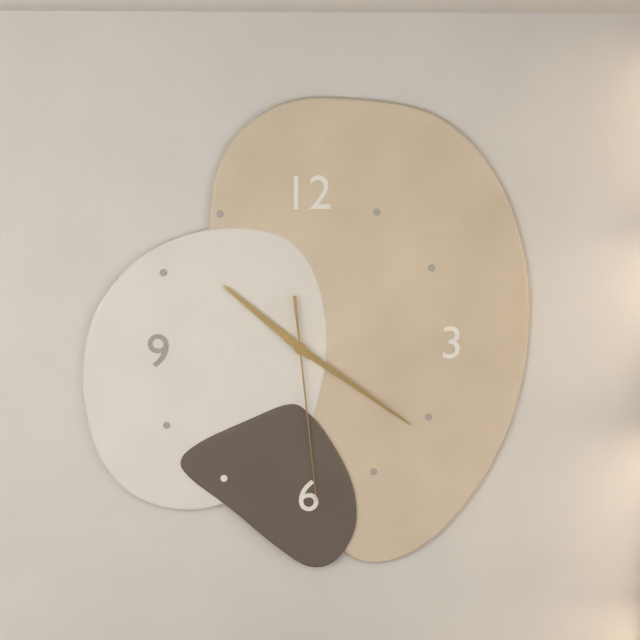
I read 10h21m29s
